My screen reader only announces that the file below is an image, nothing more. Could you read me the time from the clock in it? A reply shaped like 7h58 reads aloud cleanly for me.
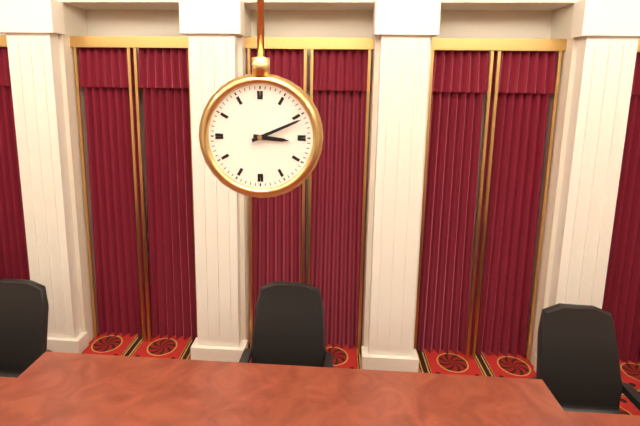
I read 3h11
